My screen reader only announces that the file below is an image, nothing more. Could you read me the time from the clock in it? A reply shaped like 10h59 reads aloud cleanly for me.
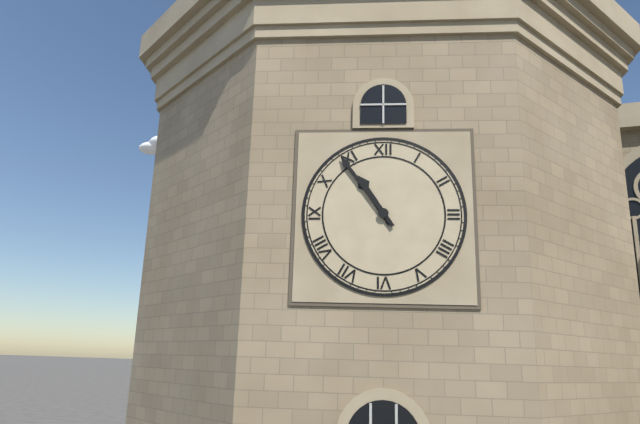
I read 10h54
